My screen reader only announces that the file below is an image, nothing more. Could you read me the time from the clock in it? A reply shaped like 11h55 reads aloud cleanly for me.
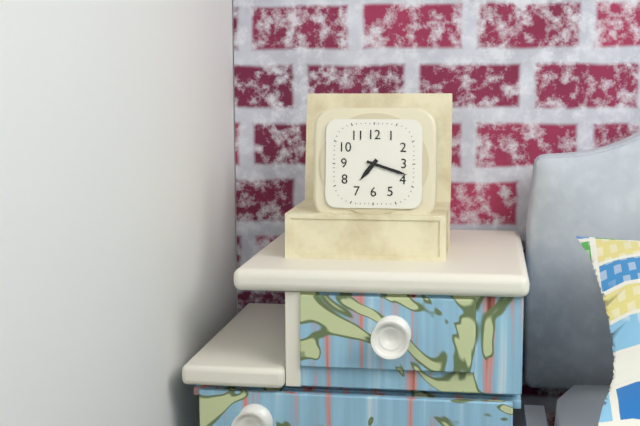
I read 7h18
